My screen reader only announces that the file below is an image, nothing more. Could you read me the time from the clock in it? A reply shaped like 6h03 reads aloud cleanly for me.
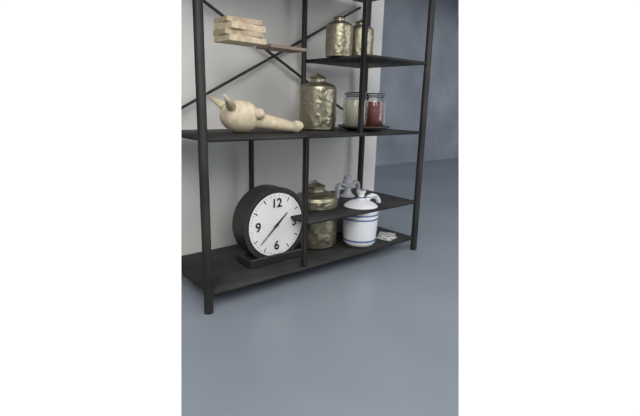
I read 1h38
